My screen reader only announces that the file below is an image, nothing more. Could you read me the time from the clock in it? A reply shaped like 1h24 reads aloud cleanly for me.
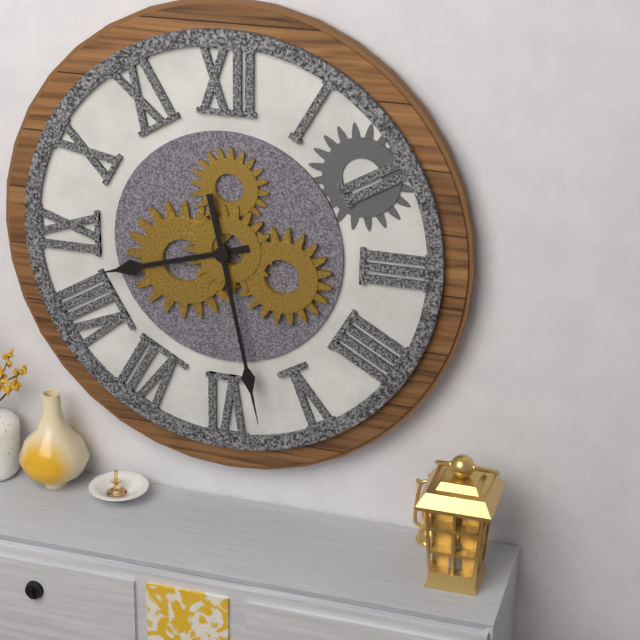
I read 8h28
